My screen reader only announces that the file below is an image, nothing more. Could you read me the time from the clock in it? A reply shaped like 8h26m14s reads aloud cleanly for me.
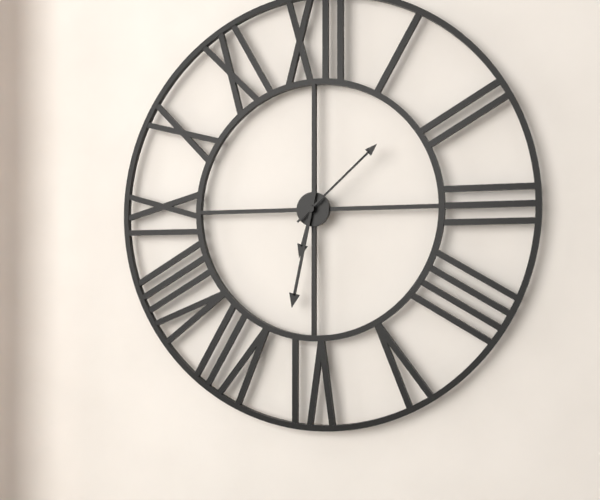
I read 6h32m08s
